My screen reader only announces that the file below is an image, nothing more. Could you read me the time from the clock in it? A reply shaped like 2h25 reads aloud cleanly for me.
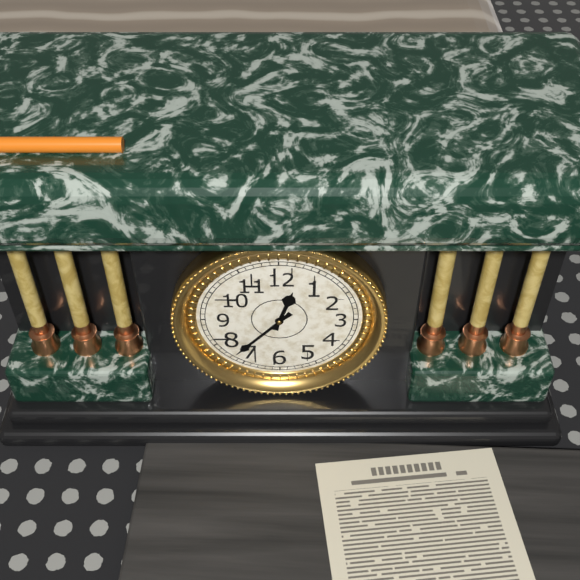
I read 12h37
